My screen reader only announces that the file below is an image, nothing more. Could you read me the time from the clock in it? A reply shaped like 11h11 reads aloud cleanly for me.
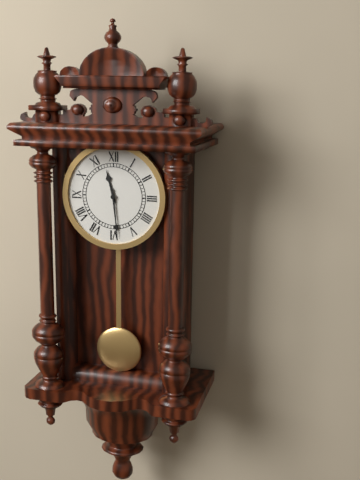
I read 11h29
